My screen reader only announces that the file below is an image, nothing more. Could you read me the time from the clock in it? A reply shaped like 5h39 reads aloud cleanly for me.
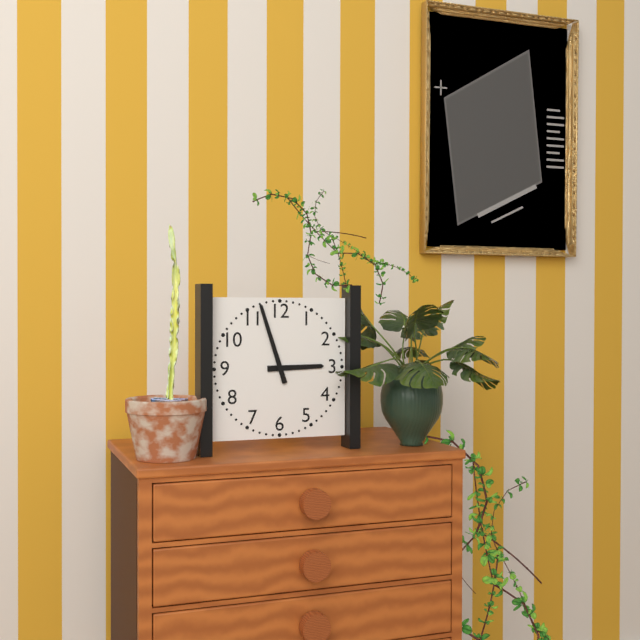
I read 2h57
